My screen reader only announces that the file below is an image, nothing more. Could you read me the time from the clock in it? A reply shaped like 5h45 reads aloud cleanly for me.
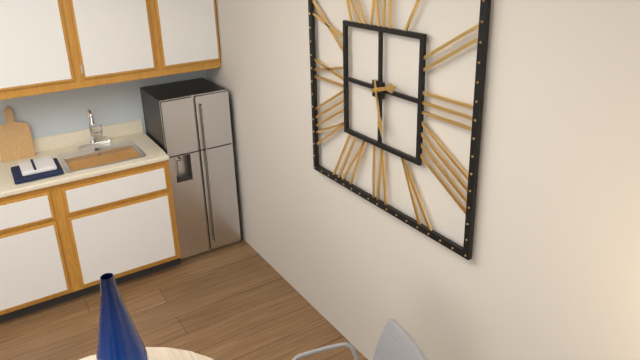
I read 2h28
